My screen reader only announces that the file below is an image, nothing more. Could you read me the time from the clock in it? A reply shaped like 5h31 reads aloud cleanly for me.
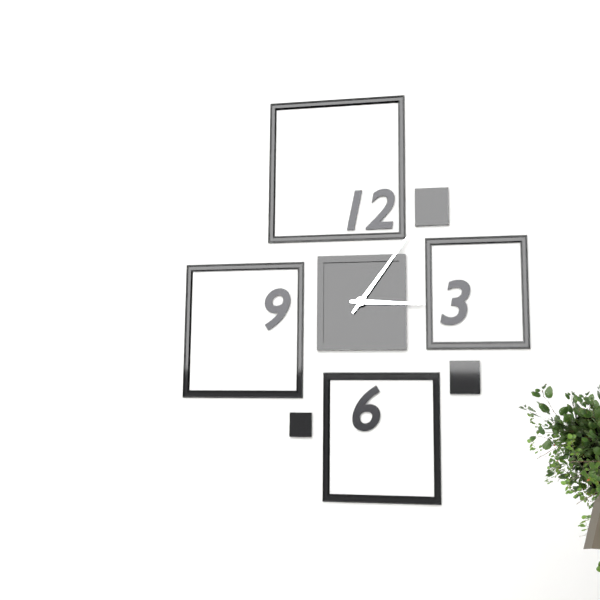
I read 3h06
